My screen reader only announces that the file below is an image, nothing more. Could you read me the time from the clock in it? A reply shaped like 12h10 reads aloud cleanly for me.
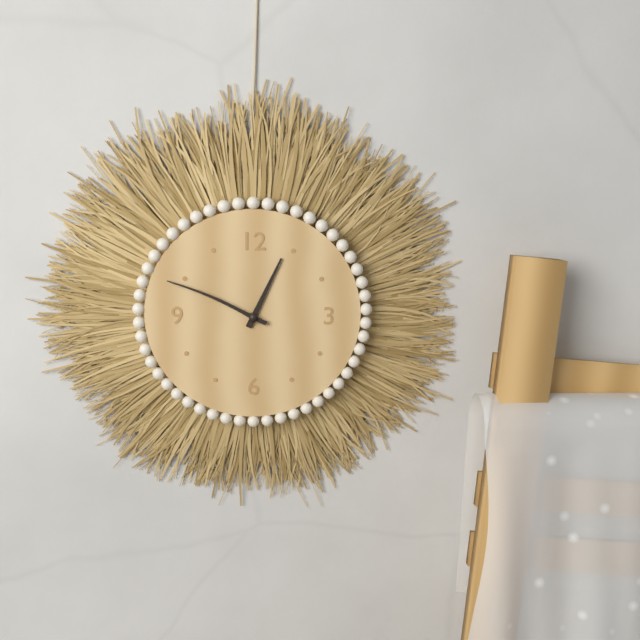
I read 12h49
